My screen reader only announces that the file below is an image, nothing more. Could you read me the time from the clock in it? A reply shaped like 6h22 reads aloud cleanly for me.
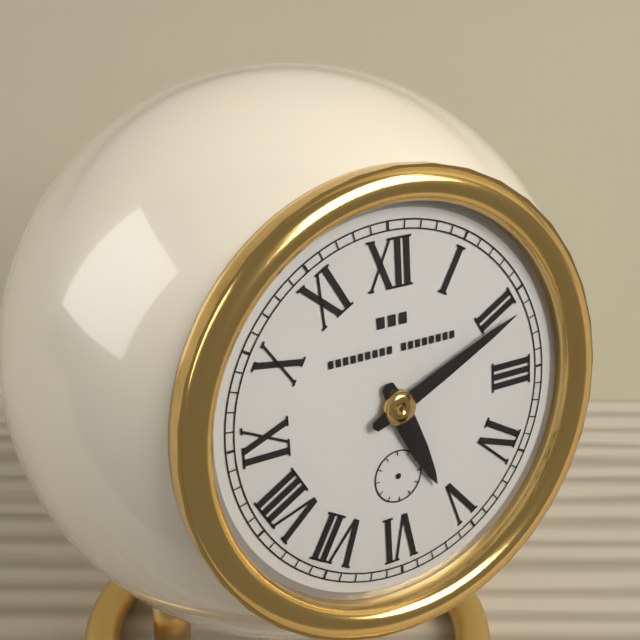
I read 5h11
